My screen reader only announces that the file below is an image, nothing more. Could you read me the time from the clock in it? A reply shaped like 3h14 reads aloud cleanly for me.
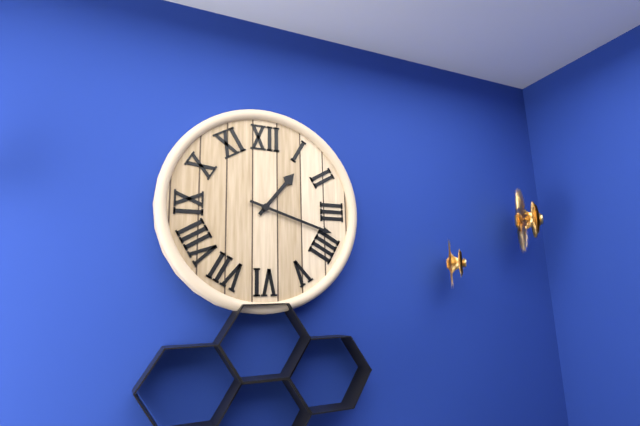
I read 1h18
